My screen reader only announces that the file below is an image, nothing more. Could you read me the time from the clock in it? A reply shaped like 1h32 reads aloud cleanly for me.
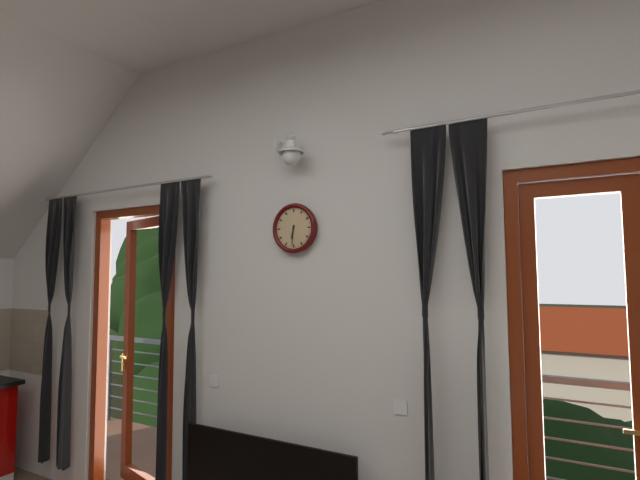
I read 6h31
